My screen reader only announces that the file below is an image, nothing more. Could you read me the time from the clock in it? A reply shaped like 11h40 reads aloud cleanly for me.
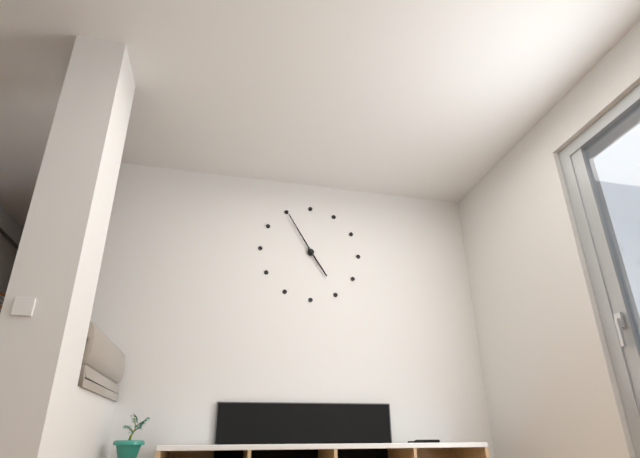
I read 4h55
